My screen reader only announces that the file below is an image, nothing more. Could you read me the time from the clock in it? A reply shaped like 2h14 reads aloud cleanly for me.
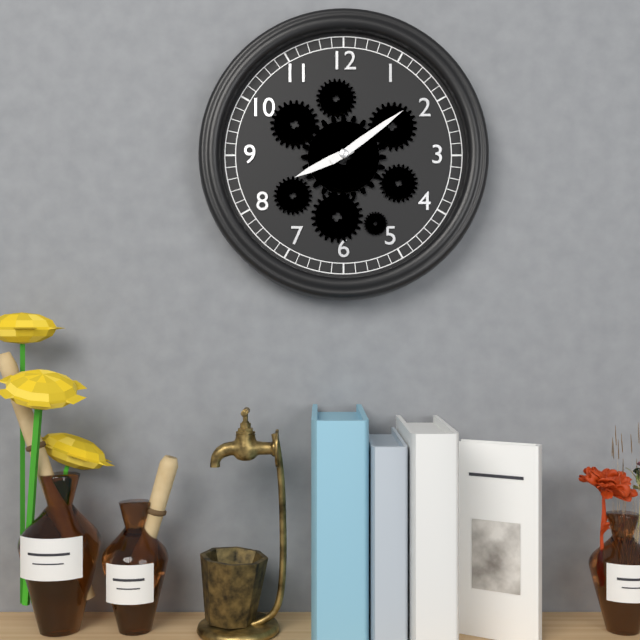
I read 8h09
